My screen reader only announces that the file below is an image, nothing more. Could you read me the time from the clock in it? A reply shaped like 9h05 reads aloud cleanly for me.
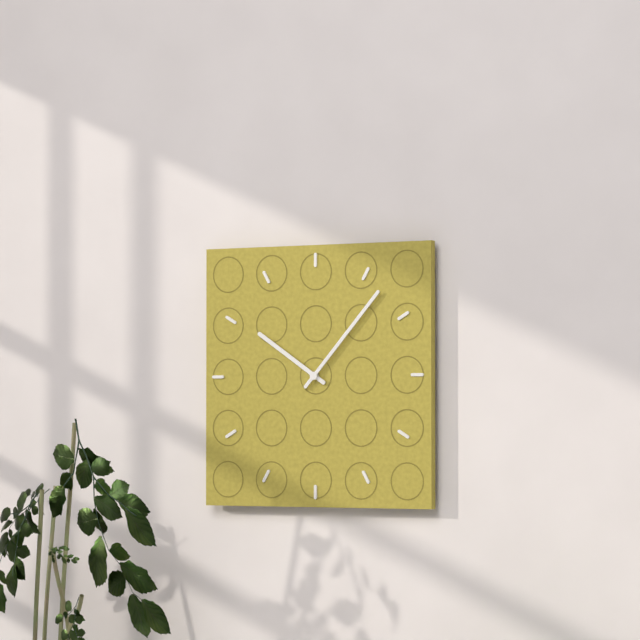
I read 10h07
